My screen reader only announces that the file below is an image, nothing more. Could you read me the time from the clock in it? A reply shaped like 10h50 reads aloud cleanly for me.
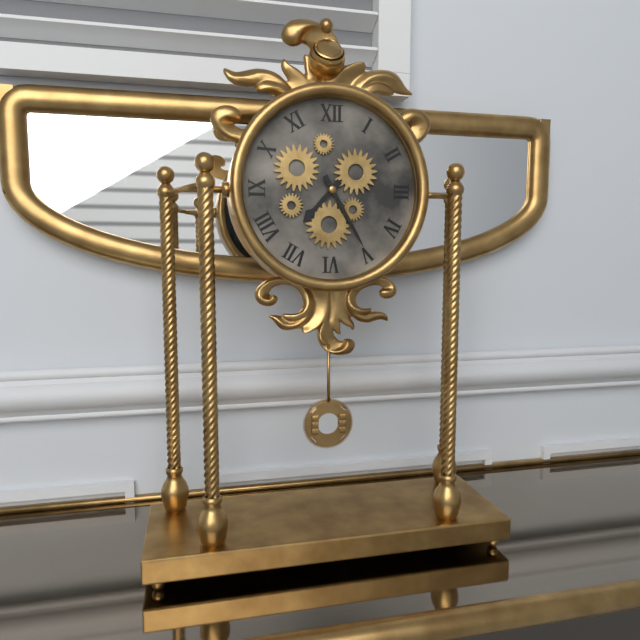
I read 7h25
